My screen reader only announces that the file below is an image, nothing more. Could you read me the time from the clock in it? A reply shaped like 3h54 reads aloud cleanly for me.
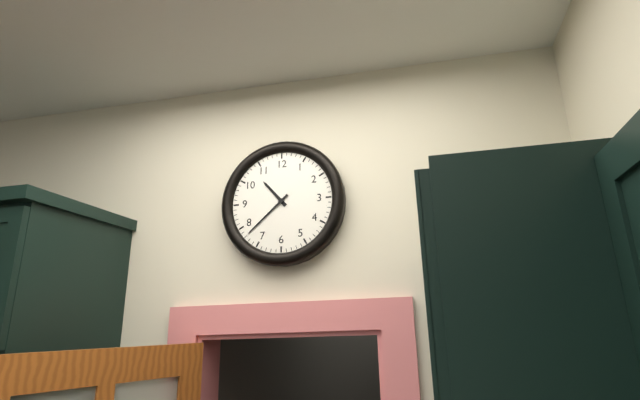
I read 10h38
